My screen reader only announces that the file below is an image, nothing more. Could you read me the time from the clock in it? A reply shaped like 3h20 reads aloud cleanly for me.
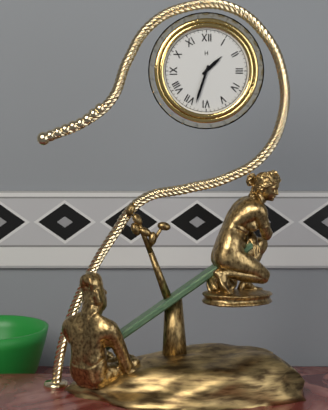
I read 1h33
